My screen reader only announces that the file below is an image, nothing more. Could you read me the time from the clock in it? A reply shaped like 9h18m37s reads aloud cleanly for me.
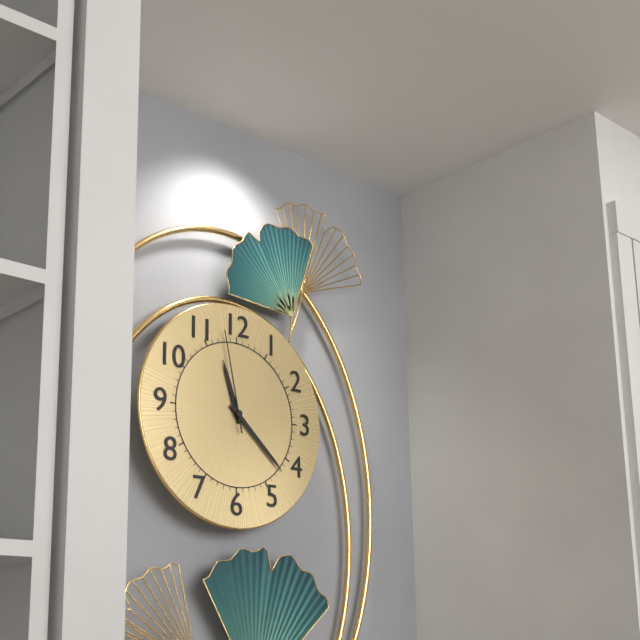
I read 11h22m58s
